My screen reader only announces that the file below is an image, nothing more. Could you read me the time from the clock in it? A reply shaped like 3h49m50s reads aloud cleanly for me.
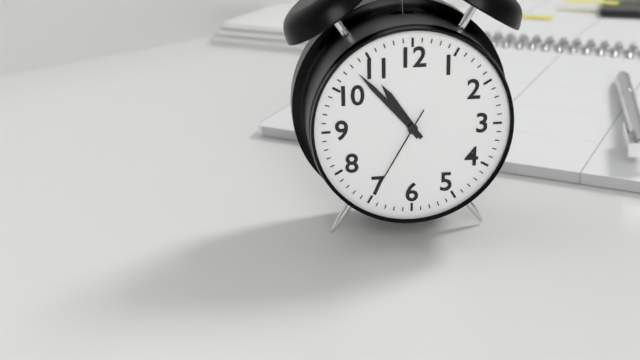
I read 10h53m35s
